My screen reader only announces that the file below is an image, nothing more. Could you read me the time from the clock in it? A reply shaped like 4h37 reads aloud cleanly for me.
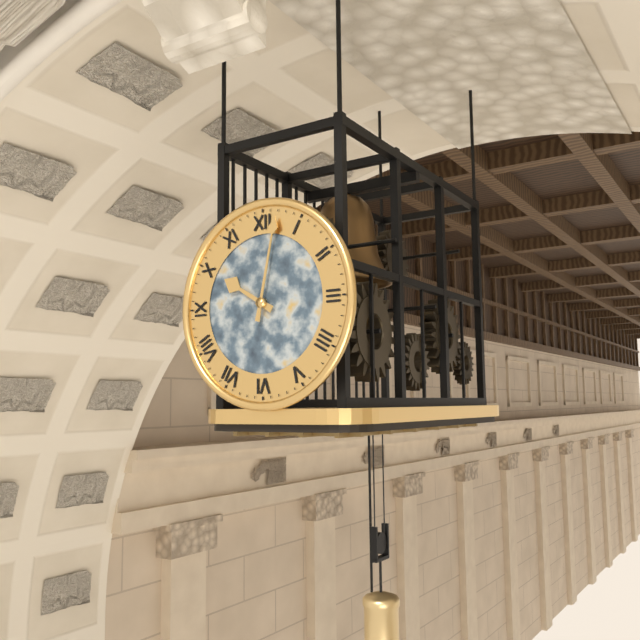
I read 10h02
